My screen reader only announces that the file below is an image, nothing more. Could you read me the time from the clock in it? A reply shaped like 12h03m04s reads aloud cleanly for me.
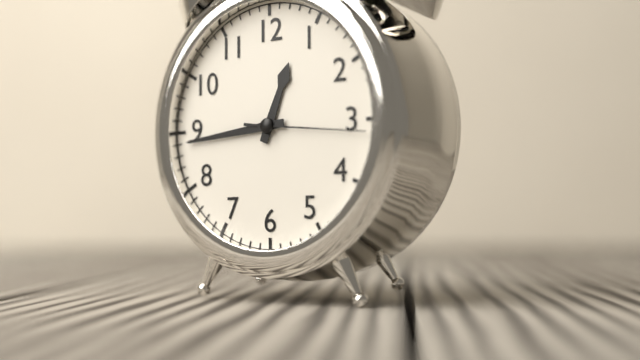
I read 12h44m16s
